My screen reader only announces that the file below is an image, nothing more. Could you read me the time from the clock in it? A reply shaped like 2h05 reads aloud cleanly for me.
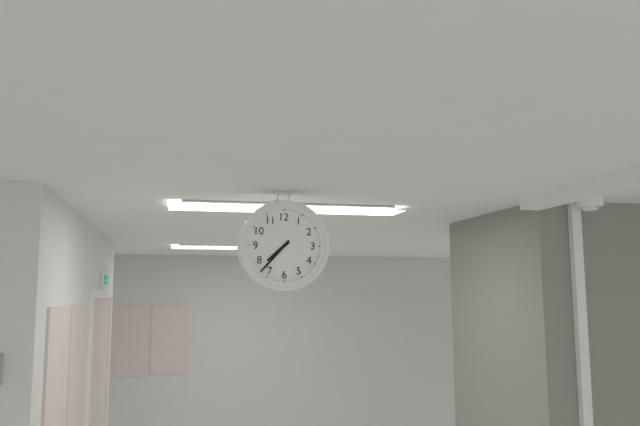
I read 7h37
